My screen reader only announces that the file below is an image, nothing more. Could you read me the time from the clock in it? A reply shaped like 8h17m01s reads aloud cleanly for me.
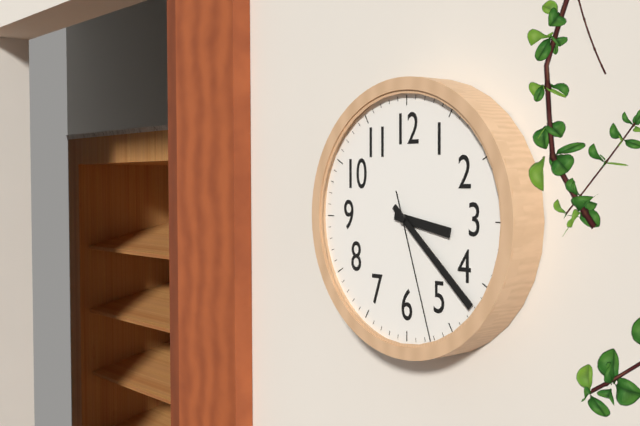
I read 3h22m27s
